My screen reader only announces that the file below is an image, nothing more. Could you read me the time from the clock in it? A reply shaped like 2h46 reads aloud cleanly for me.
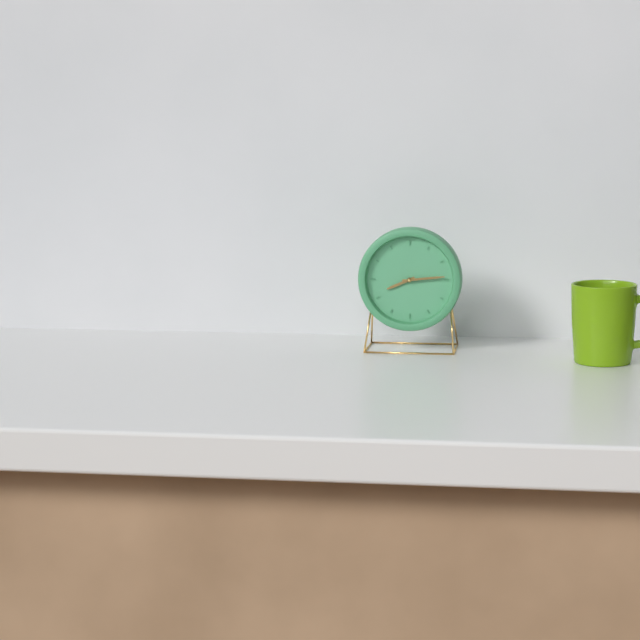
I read 8h14
